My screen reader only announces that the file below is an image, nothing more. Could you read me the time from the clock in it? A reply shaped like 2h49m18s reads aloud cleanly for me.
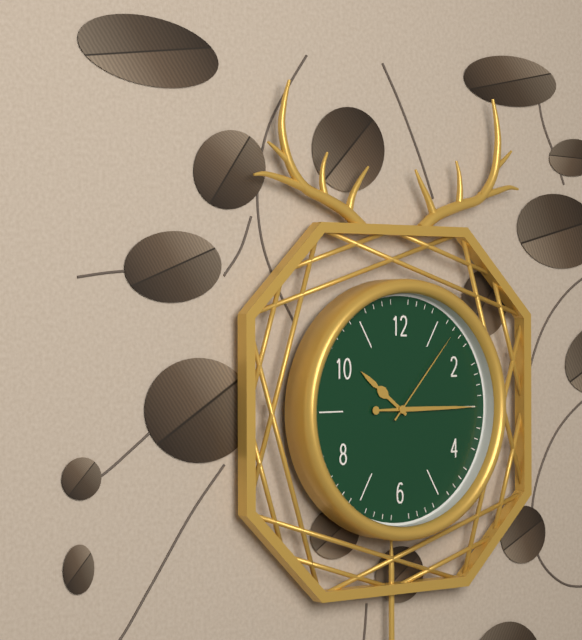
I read 10h15m07s
